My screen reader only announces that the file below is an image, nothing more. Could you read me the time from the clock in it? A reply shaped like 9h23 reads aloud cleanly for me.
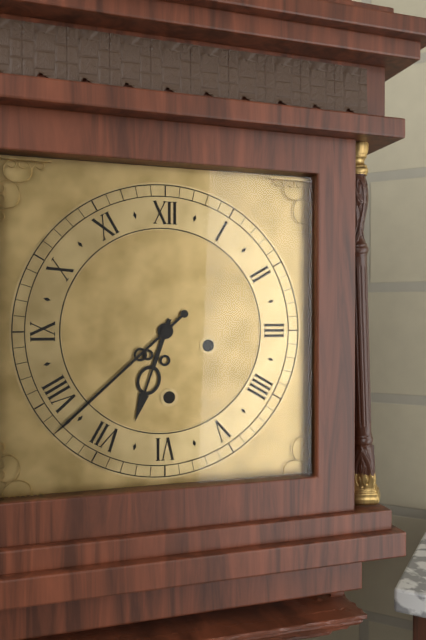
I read 6h38
